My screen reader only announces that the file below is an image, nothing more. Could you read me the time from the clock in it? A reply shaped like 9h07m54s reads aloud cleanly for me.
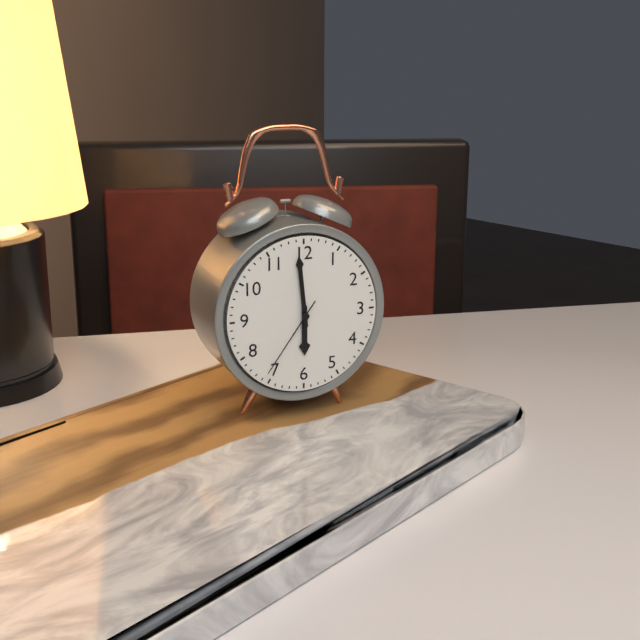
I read 5h59m36s
